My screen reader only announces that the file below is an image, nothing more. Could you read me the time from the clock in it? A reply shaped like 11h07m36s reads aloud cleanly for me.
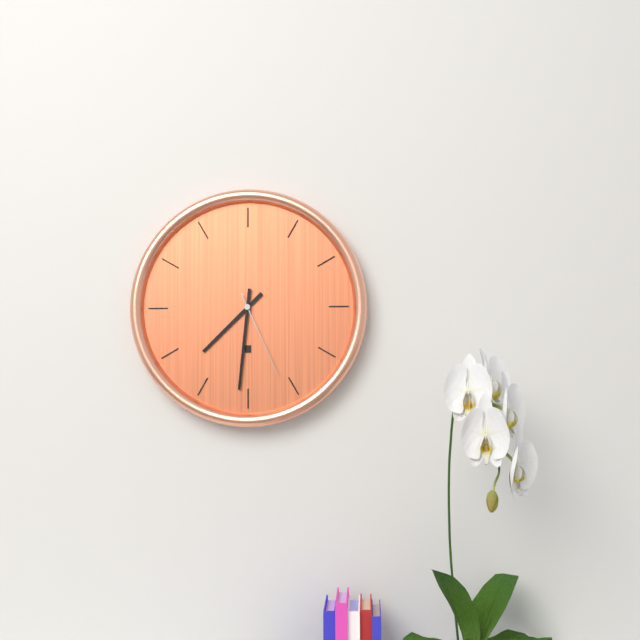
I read 7h31m26s
